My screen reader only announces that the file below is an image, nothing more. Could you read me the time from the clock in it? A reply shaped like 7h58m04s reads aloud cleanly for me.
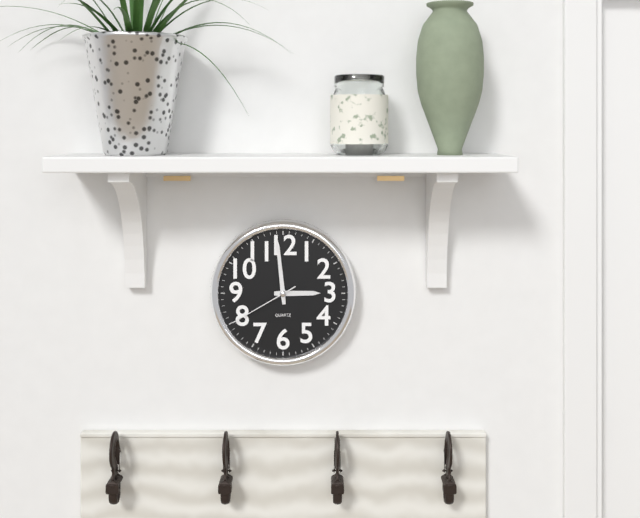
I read 2h59m40s
